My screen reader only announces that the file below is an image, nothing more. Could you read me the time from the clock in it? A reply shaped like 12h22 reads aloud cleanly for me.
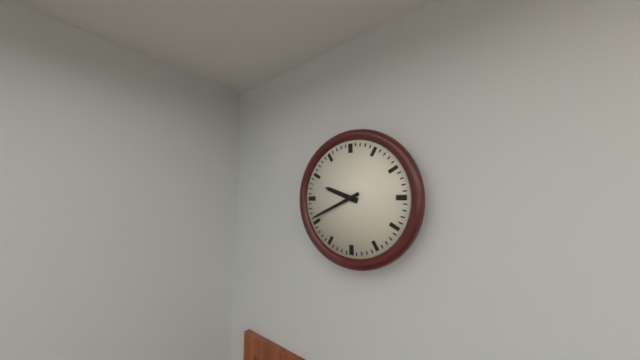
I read 9h41
